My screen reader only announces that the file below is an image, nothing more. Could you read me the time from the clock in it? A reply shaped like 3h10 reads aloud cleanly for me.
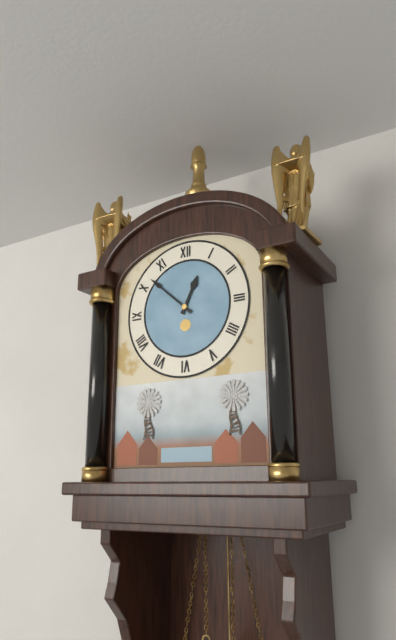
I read 12h52
